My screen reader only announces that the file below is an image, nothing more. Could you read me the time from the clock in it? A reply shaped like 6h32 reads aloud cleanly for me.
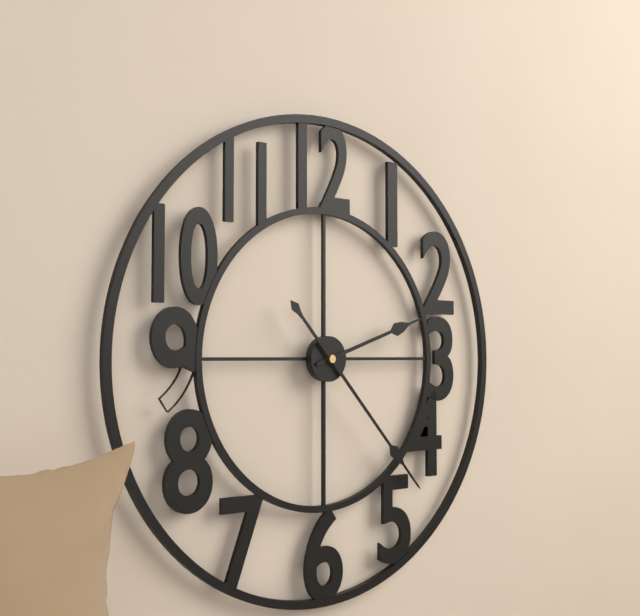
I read 2h23
